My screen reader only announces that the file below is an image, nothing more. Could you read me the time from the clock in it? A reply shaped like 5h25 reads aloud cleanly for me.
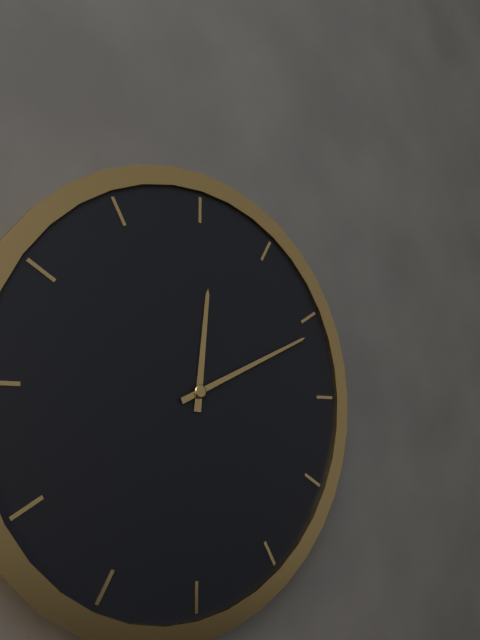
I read 12h11
